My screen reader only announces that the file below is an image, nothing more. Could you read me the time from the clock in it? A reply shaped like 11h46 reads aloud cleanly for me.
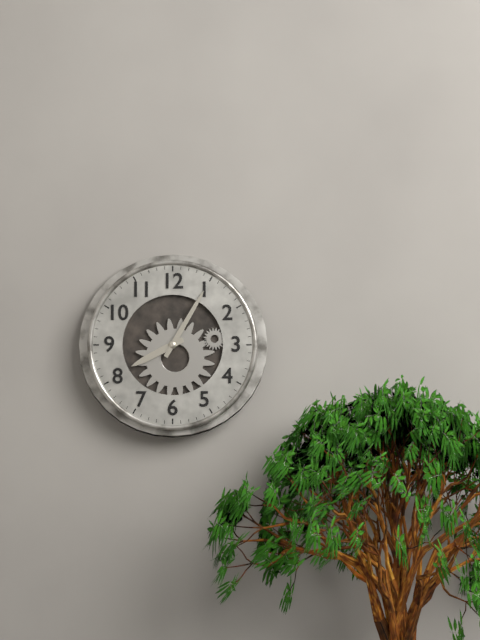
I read 8h05
